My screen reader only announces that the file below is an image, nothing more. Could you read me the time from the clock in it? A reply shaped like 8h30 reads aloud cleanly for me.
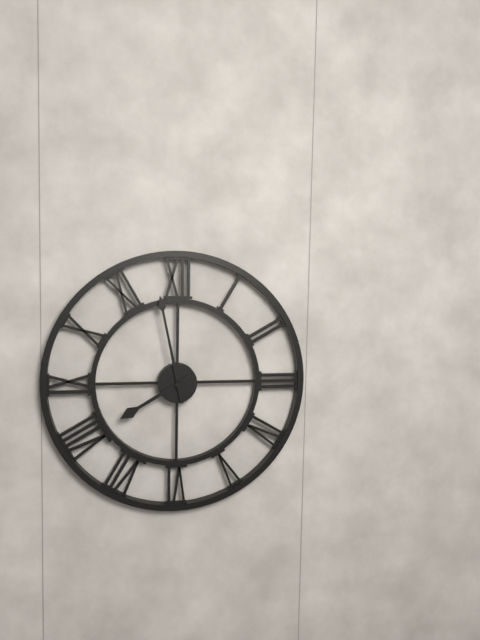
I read 7h58
